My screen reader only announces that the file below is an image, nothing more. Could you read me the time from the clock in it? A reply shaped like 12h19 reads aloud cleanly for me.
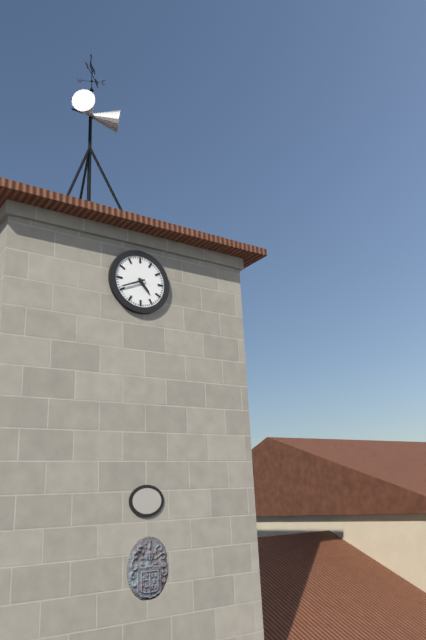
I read 4h41
